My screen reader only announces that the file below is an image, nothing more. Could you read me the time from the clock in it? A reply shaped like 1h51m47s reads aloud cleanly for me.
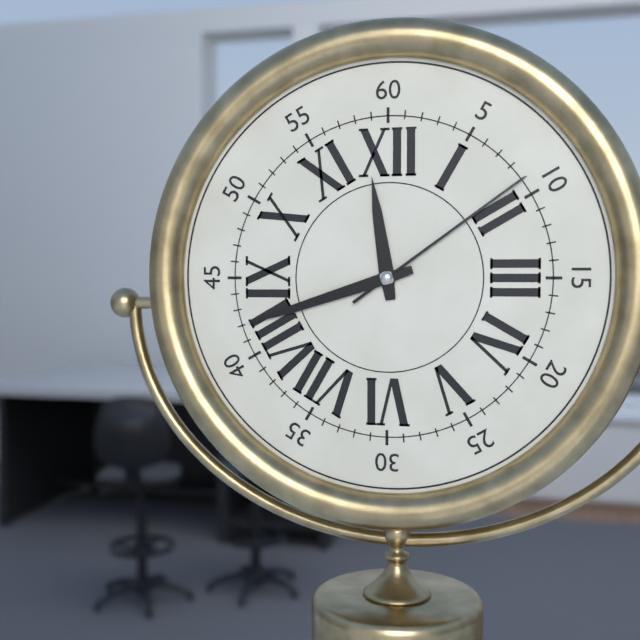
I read 11h42m09s
